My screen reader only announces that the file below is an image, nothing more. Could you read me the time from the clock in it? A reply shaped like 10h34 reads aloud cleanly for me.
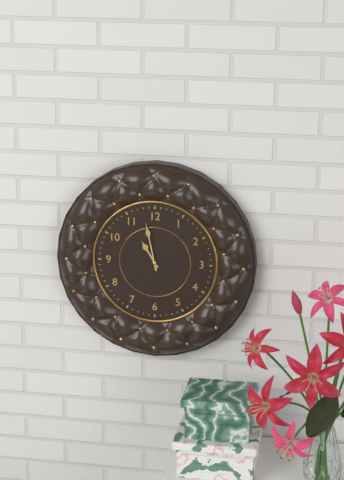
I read 10h58
